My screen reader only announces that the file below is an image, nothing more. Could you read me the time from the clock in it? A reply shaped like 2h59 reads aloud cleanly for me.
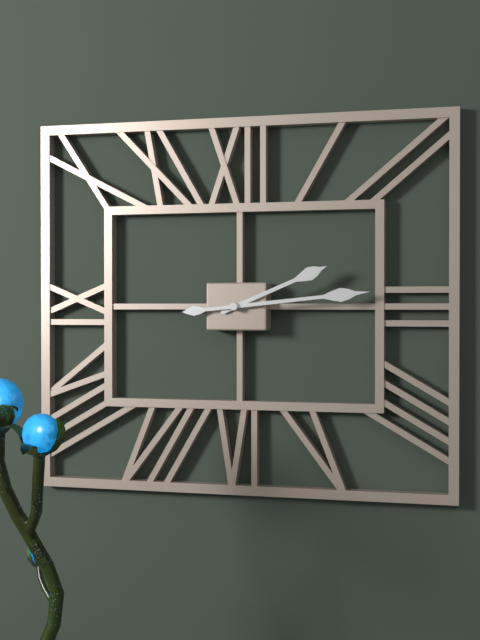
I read 2h14
